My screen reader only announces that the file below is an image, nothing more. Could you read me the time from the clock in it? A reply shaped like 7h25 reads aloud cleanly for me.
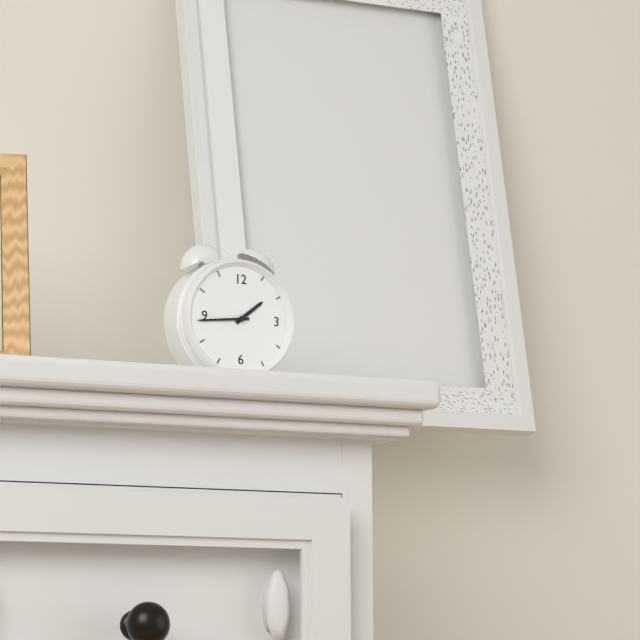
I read 1h44
